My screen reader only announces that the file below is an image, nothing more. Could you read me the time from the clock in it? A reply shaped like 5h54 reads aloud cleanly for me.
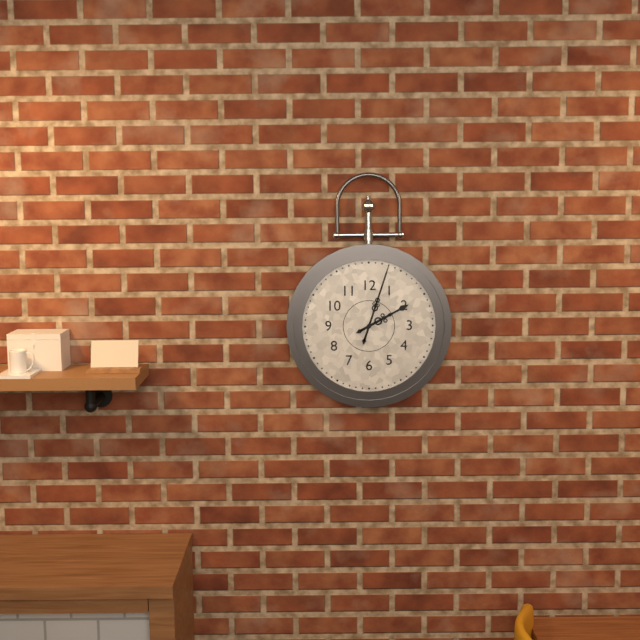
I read 2h03
